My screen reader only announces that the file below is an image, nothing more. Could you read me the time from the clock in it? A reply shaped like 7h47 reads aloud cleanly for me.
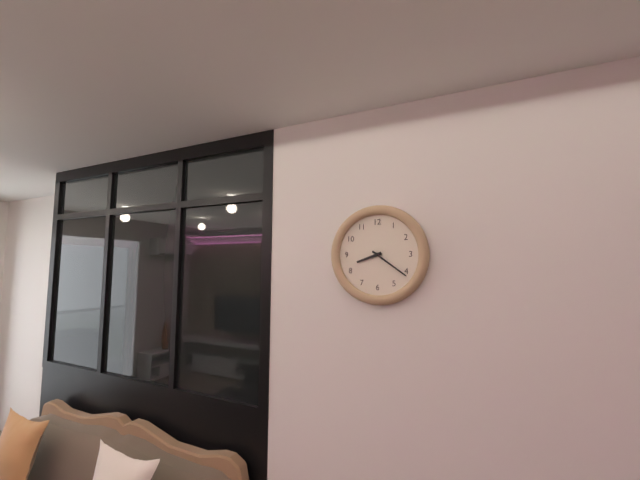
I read 8h21
